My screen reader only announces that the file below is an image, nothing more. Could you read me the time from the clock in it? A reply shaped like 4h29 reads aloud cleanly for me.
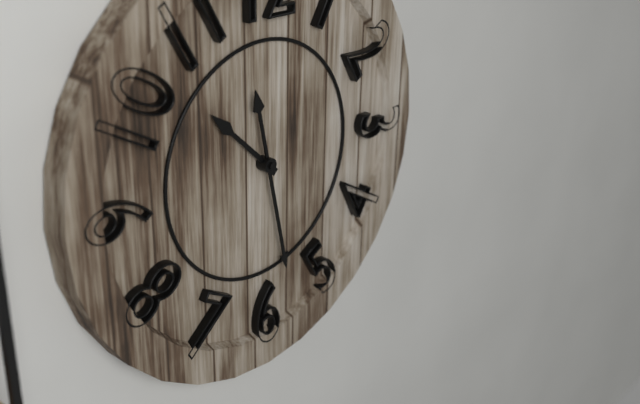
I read 10h28
